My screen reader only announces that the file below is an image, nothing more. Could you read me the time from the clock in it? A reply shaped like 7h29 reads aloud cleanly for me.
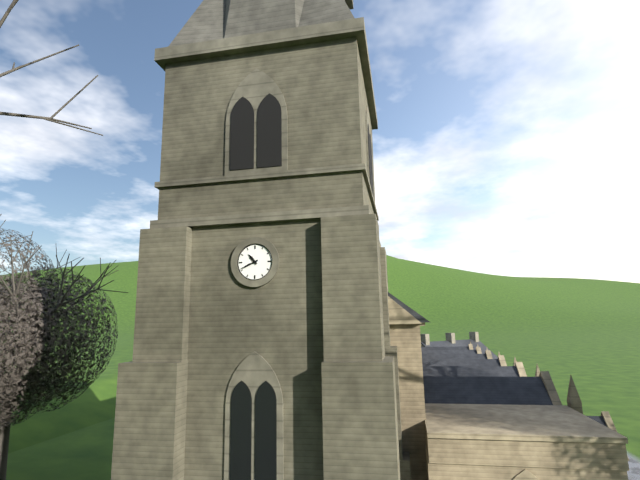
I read 10h41
